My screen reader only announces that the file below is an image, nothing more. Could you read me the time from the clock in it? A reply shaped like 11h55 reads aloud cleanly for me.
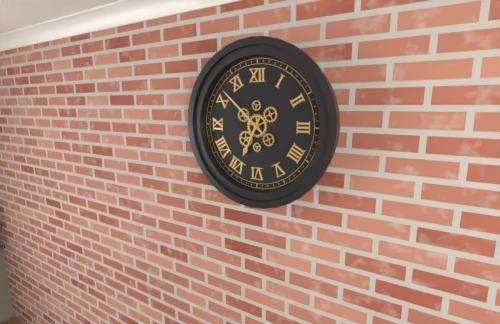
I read 6h52
